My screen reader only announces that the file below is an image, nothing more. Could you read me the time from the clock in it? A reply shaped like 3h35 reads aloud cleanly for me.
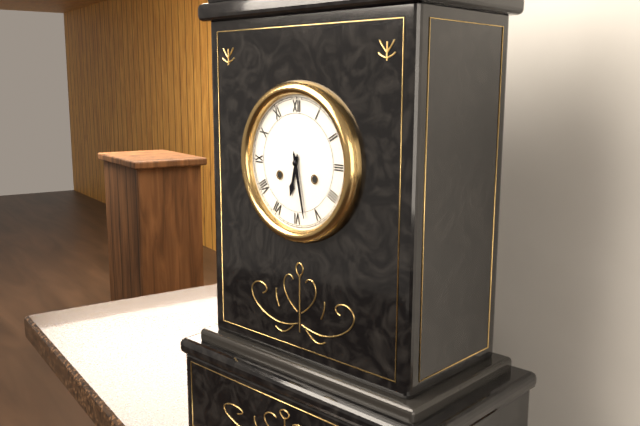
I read 6h28
